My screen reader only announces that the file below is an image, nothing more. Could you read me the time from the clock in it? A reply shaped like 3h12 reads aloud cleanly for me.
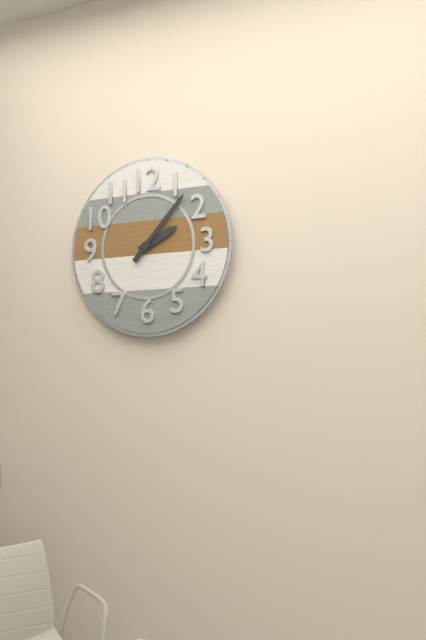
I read 2h07
